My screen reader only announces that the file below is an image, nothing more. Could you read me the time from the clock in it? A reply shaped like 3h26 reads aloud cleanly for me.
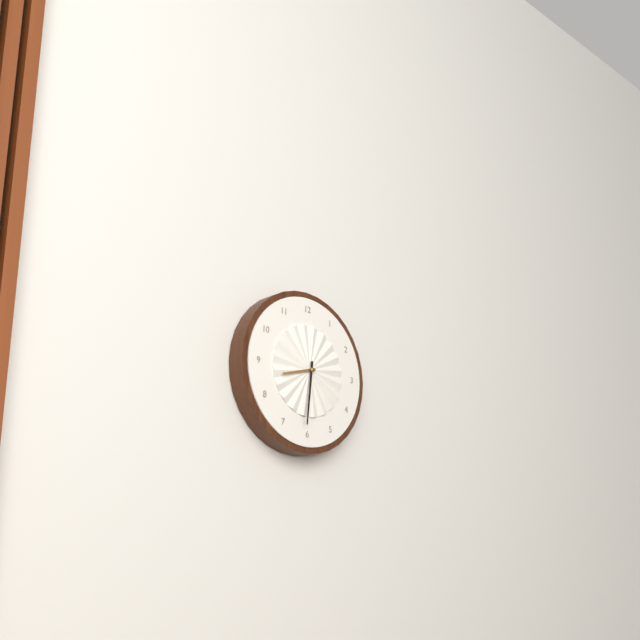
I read 8h31
